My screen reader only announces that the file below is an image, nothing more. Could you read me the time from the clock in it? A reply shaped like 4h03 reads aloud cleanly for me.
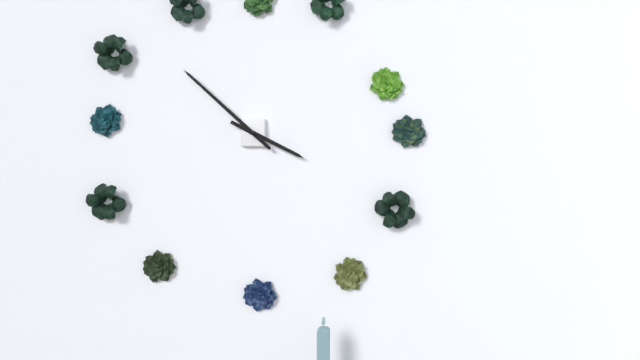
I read 3h52
